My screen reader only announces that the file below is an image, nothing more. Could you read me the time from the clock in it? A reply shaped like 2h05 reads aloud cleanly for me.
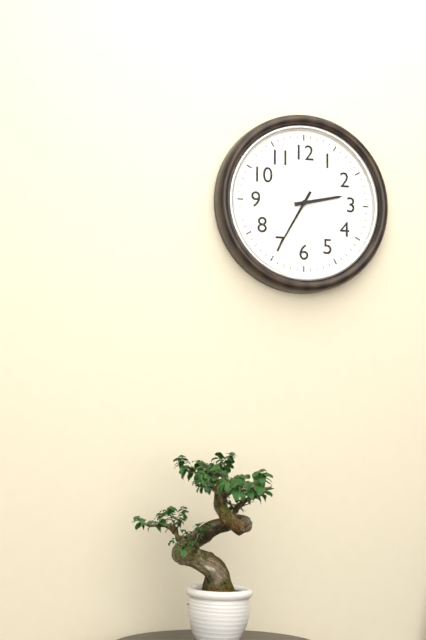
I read 2h35
